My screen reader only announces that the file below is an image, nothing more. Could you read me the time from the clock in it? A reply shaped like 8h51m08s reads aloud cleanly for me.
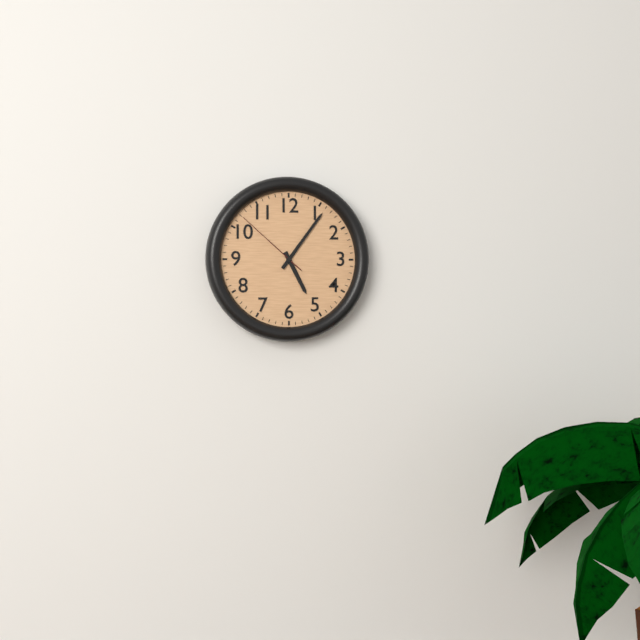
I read 5h06m52s
